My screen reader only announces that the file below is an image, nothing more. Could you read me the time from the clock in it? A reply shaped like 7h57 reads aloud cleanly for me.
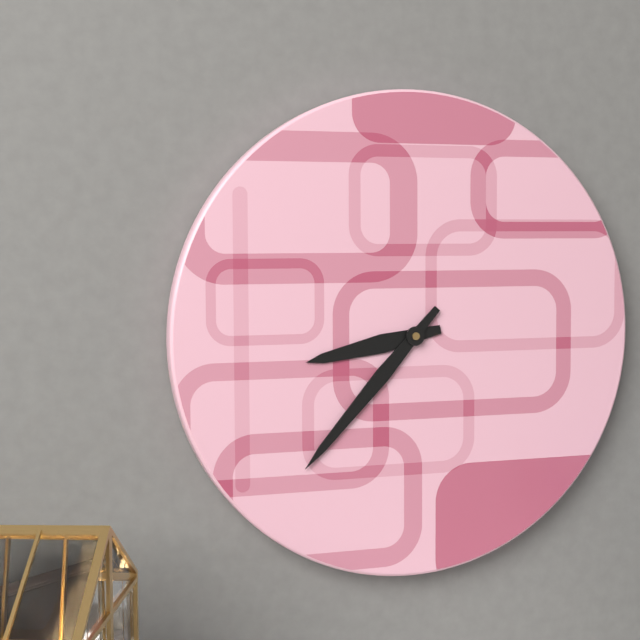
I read 8h37
